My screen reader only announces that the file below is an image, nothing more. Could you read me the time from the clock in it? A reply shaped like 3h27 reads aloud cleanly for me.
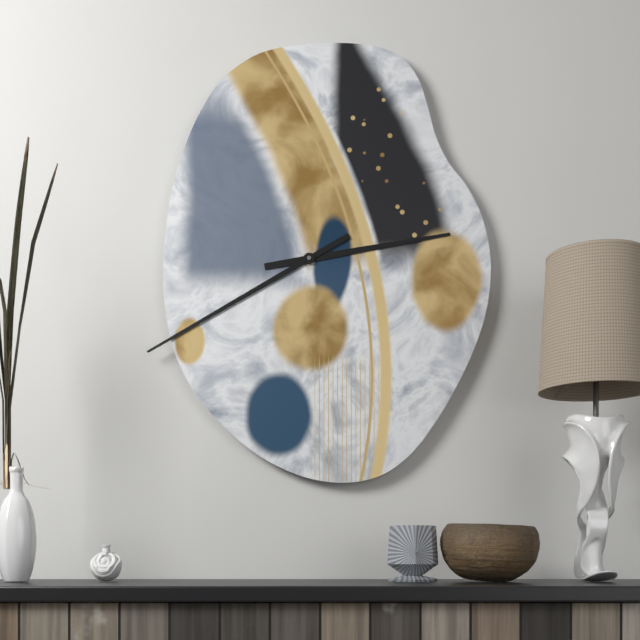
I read 2h40
